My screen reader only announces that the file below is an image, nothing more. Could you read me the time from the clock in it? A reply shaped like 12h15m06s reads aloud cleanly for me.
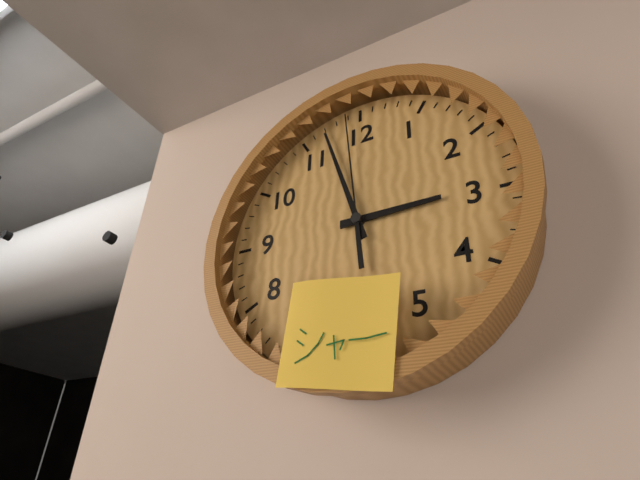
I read 2h57m59s
